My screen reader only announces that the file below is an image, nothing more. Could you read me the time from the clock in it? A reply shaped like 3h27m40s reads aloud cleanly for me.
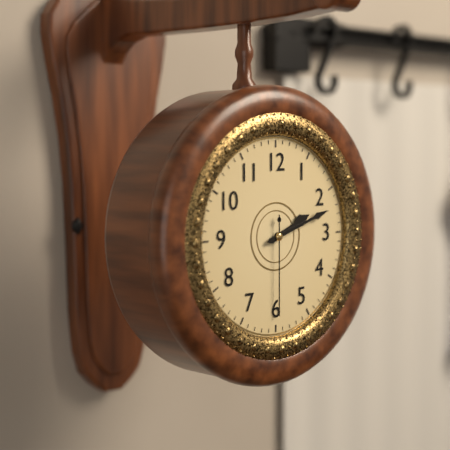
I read 2h12m30s
